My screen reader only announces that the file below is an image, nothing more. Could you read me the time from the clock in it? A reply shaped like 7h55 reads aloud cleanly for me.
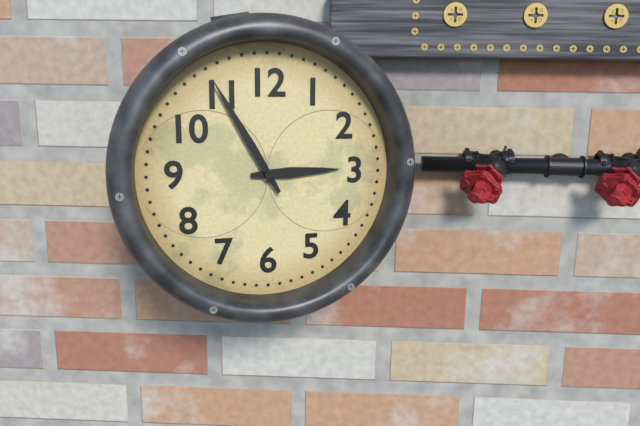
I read 2h55
